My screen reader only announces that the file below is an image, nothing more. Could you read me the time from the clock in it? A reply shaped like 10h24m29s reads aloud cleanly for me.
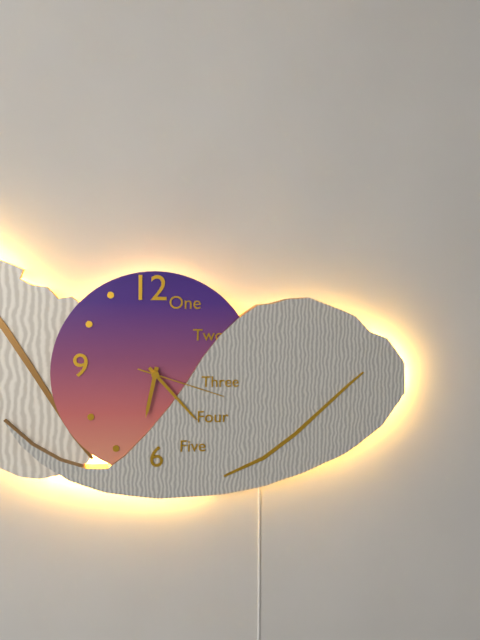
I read 6h23m18s
